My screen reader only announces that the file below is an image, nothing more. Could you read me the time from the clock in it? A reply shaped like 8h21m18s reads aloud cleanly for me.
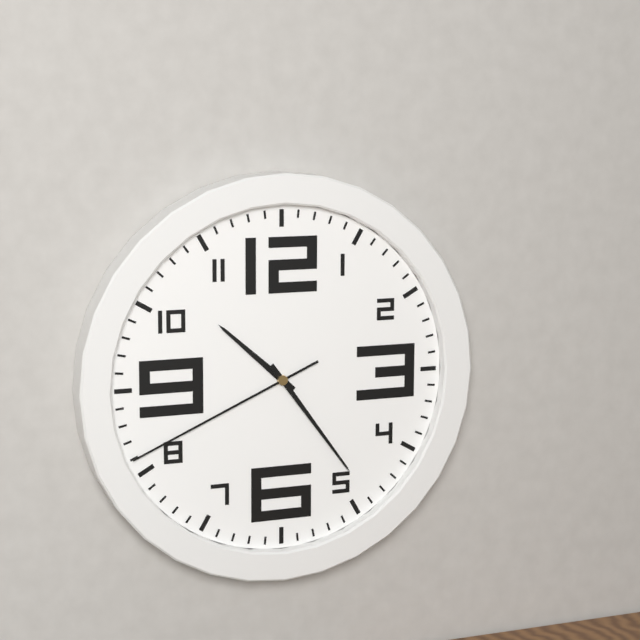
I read 10h24m41s
